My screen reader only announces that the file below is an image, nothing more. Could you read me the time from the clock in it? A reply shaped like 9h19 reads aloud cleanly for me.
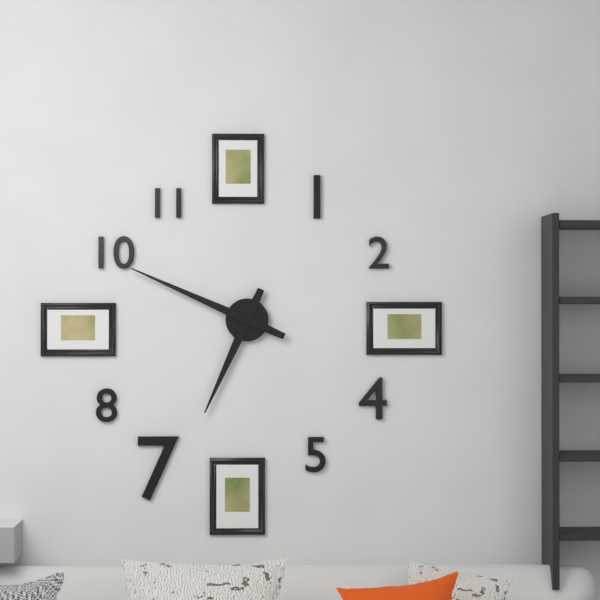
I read 6h49
